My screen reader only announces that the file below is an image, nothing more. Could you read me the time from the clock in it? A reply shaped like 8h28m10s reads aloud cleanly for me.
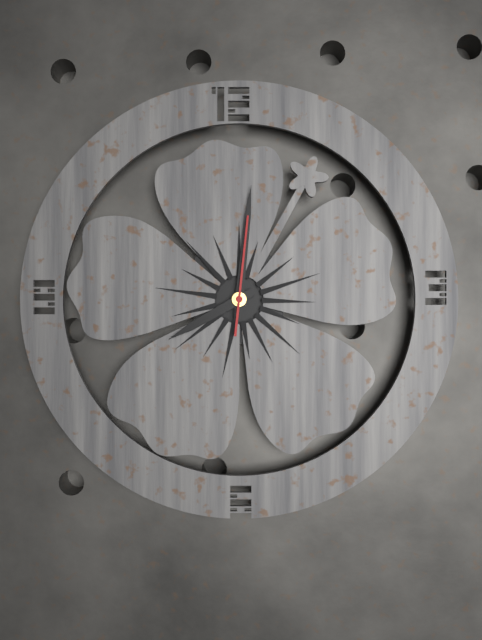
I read 8h01m01s
